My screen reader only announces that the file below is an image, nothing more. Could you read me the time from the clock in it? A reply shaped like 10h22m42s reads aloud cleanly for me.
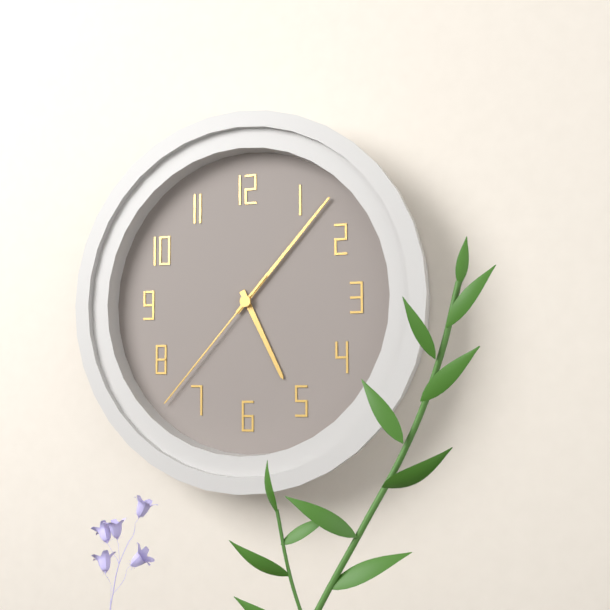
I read 5h07m37s
